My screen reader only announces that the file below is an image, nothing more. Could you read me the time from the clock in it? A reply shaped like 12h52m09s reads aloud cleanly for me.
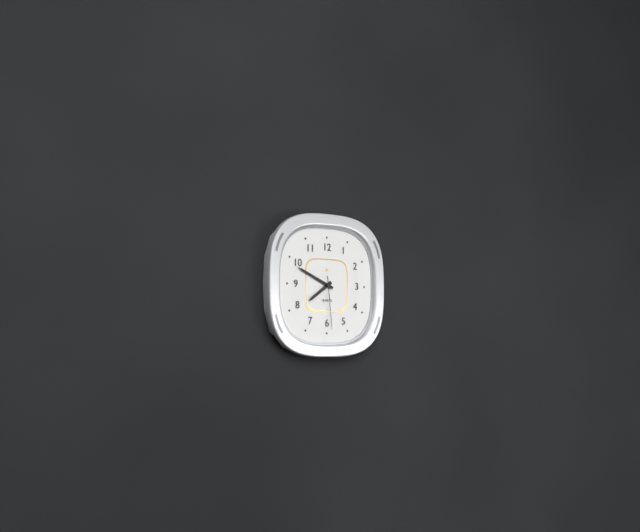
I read 7h49m29s
